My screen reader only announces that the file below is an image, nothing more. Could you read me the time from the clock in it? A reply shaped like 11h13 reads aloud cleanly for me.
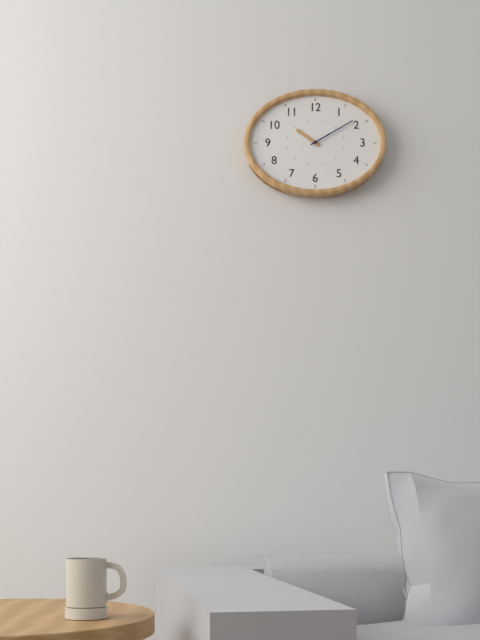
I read 10h10
